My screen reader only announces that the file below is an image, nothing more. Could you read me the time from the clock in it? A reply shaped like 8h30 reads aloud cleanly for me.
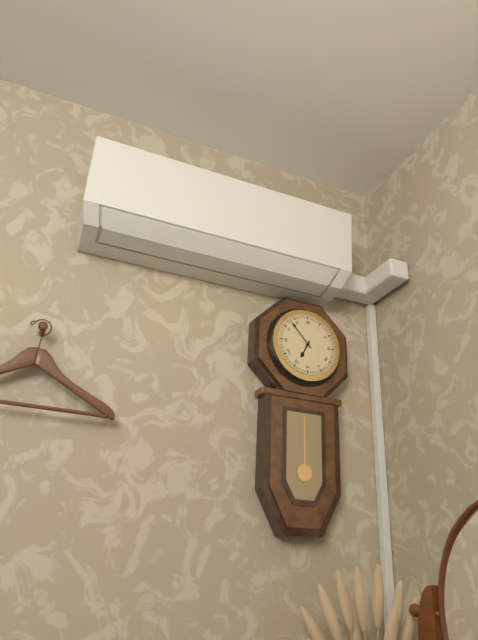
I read 6h53
